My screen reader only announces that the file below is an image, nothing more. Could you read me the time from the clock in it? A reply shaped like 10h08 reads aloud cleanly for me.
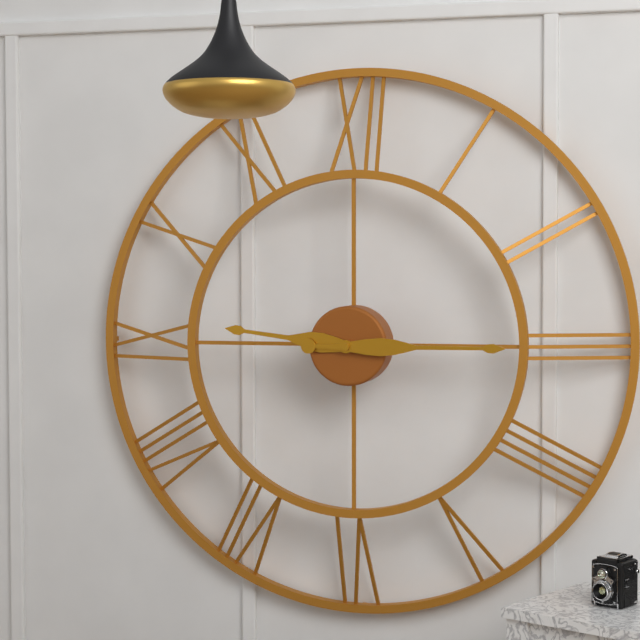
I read 9h15
